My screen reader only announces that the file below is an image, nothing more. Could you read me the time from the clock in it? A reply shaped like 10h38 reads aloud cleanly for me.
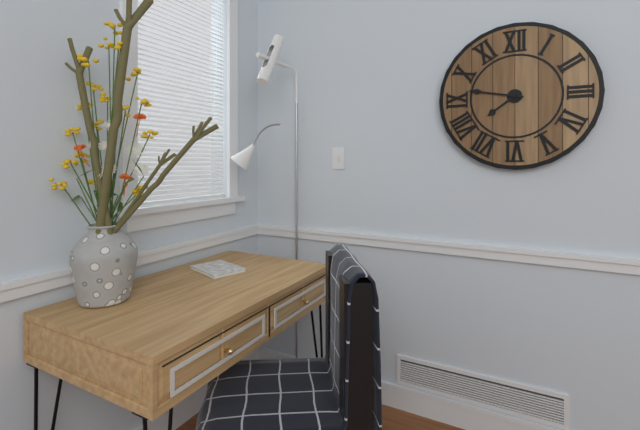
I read 7h47
